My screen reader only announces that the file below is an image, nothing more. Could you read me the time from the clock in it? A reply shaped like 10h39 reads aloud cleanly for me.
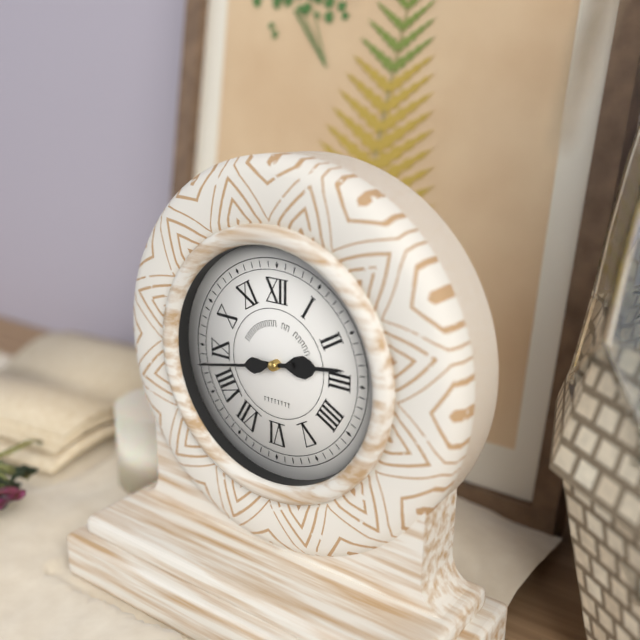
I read 2h43
